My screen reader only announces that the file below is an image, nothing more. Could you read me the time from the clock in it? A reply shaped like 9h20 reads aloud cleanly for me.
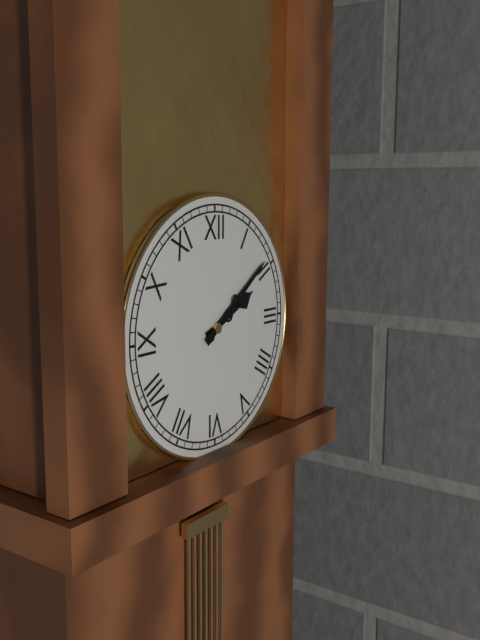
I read 2h09
